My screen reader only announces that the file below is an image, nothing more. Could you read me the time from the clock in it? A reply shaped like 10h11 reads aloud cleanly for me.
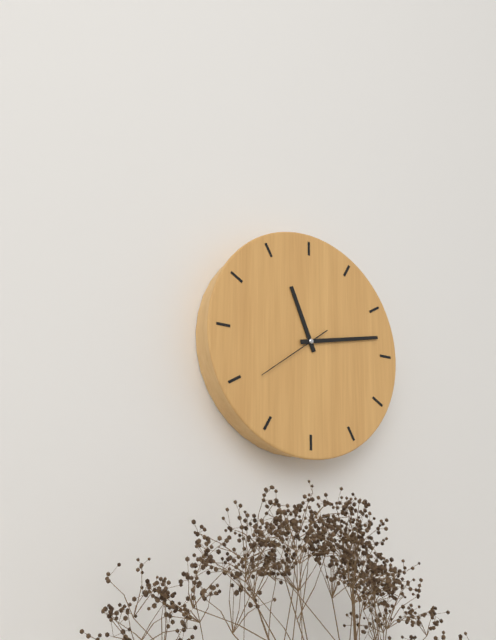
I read 11h13
